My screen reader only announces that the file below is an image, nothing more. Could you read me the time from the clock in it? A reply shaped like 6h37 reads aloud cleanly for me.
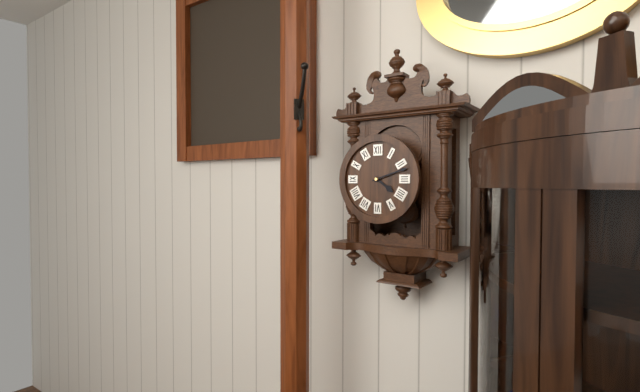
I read 4h12
